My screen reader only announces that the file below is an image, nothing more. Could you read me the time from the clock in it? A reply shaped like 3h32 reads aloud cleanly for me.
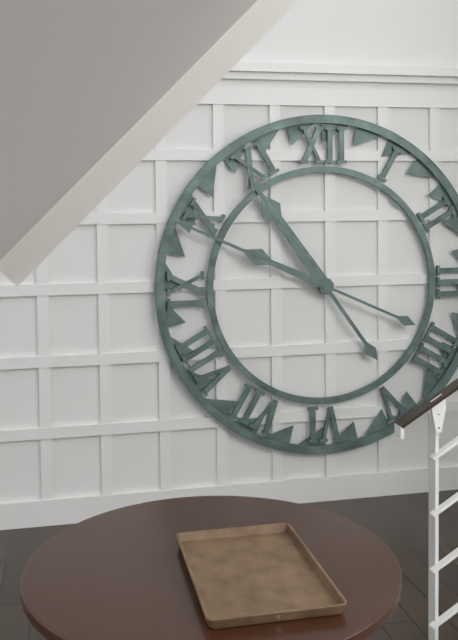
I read 10h49
